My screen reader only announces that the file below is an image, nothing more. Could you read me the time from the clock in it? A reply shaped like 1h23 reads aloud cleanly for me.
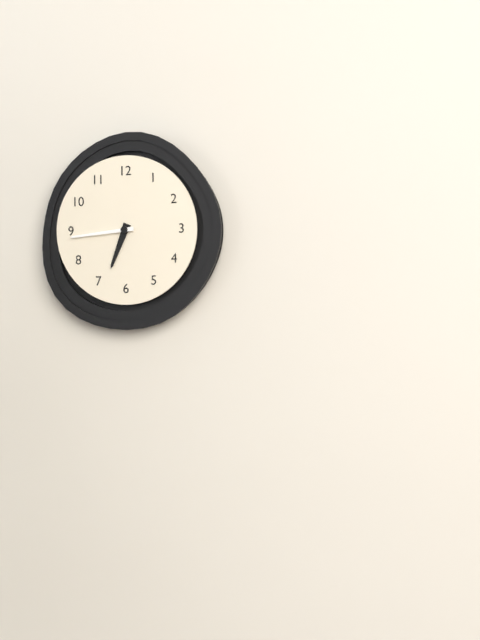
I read 6h44
